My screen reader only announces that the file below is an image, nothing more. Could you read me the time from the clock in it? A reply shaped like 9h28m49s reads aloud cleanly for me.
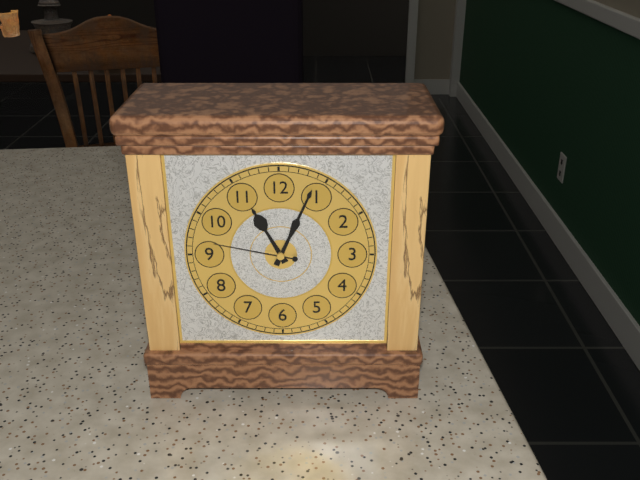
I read 11h04m47s
